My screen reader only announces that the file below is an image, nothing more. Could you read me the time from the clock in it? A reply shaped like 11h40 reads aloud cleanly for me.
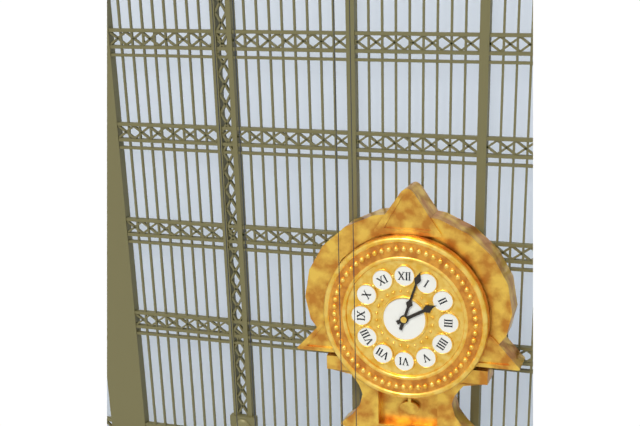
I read 2h03
